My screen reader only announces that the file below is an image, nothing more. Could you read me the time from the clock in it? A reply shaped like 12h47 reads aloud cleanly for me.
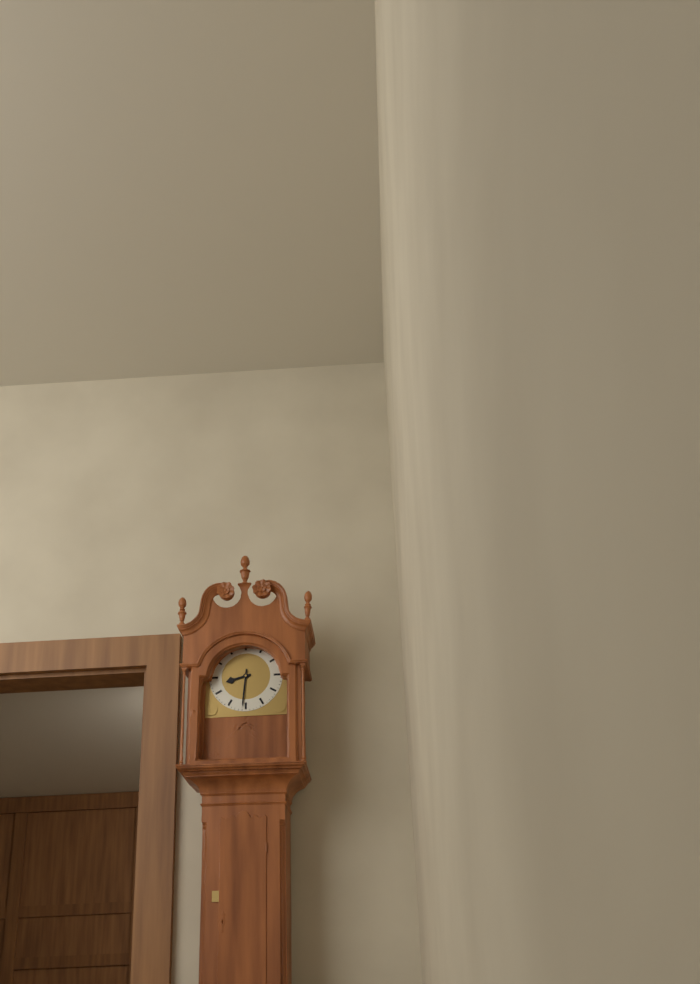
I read 8h31
